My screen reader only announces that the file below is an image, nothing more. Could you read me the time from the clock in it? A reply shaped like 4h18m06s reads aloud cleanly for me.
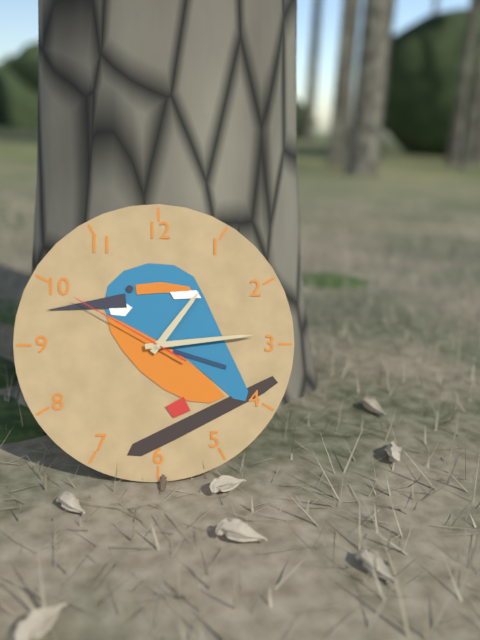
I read 1h14m50s
